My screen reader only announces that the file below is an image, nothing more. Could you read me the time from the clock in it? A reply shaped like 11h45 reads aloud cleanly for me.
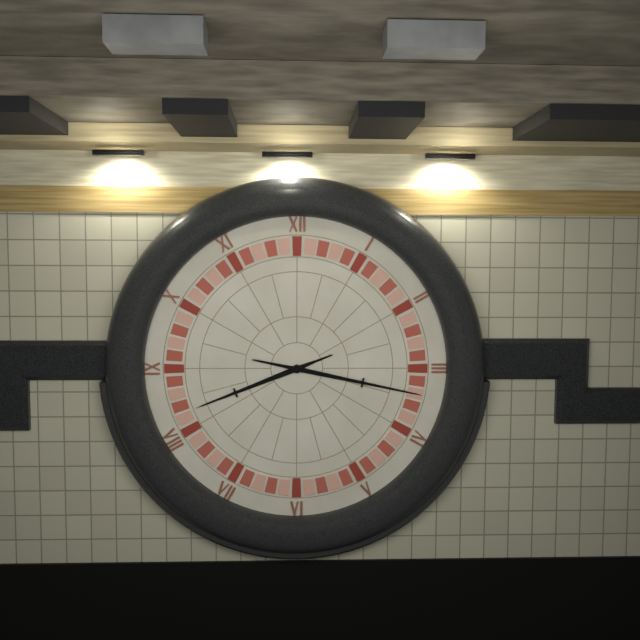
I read 8h17
